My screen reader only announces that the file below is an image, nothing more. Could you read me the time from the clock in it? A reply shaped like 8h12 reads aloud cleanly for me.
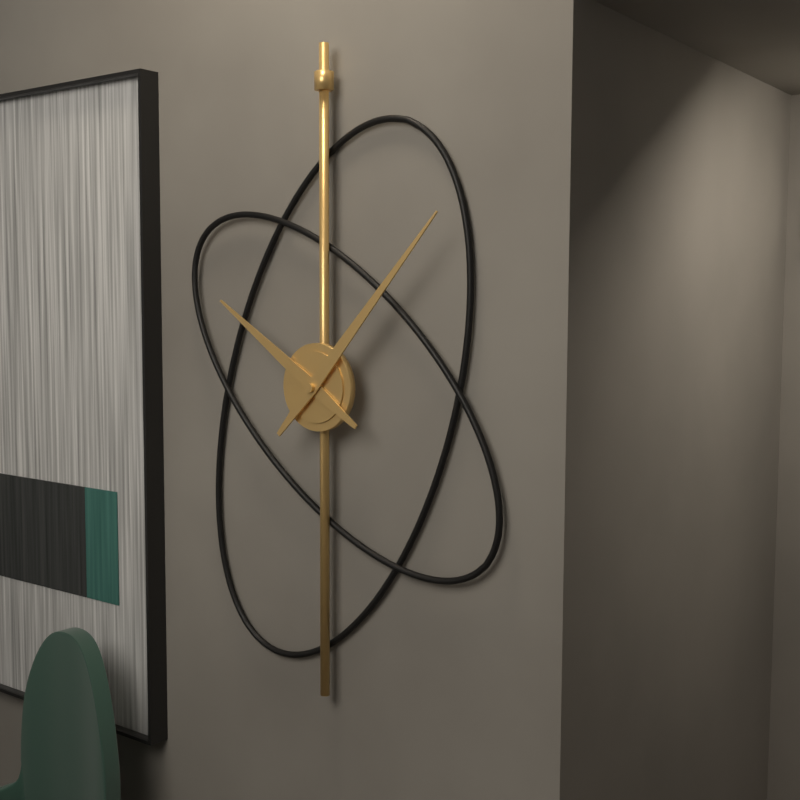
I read 10h07
